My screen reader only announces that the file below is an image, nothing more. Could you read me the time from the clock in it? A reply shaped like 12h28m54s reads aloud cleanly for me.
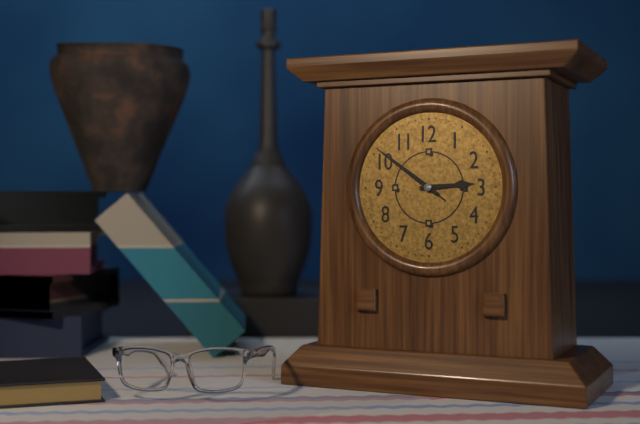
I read 2h51m51s
